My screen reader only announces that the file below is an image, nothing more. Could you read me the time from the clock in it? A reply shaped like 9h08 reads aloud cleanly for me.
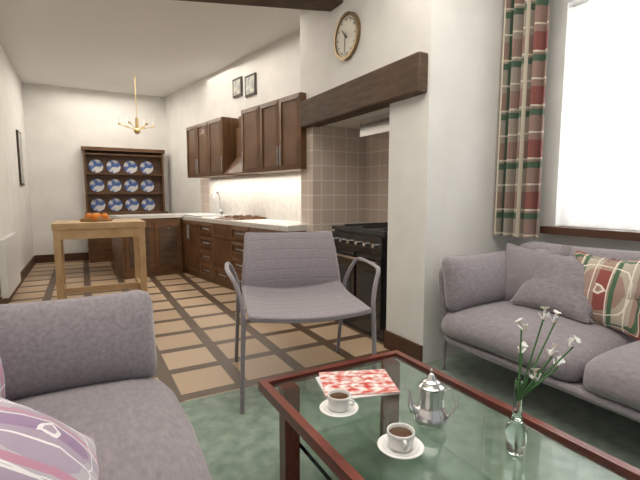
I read 10h31
